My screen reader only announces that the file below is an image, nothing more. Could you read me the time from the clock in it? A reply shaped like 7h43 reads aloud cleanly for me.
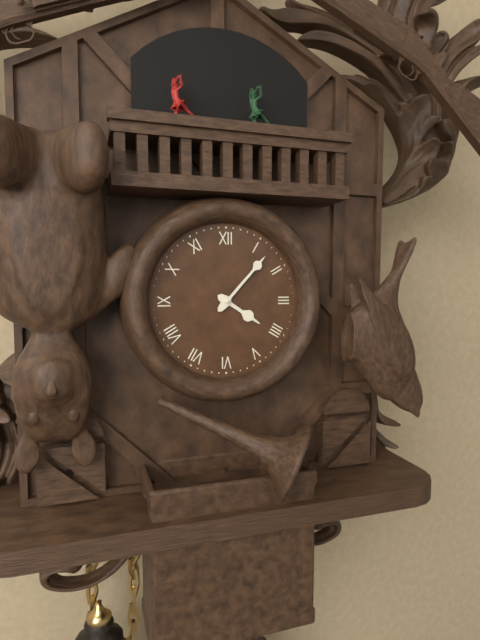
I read 4h07
